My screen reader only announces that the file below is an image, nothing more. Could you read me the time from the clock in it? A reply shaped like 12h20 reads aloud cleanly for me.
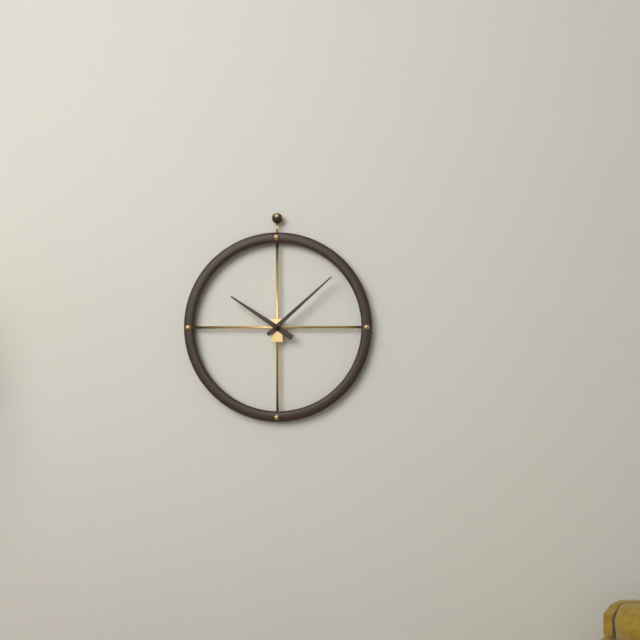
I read 10h08
